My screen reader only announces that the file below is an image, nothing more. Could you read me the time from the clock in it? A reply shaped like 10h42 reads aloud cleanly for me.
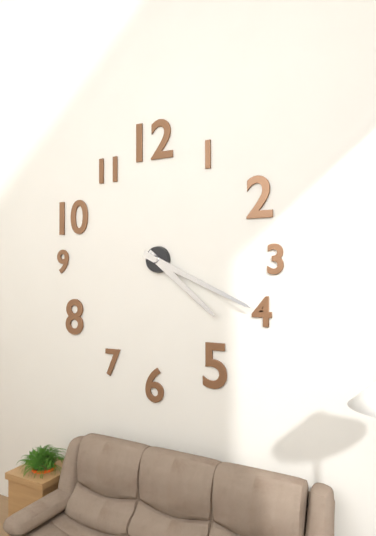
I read 4h19
